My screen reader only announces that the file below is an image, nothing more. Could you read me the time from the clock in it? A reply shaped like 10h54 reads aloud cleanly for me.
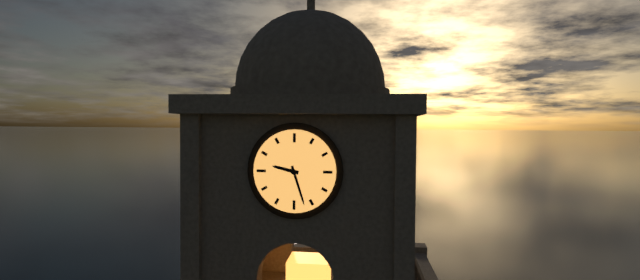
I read 9h27
